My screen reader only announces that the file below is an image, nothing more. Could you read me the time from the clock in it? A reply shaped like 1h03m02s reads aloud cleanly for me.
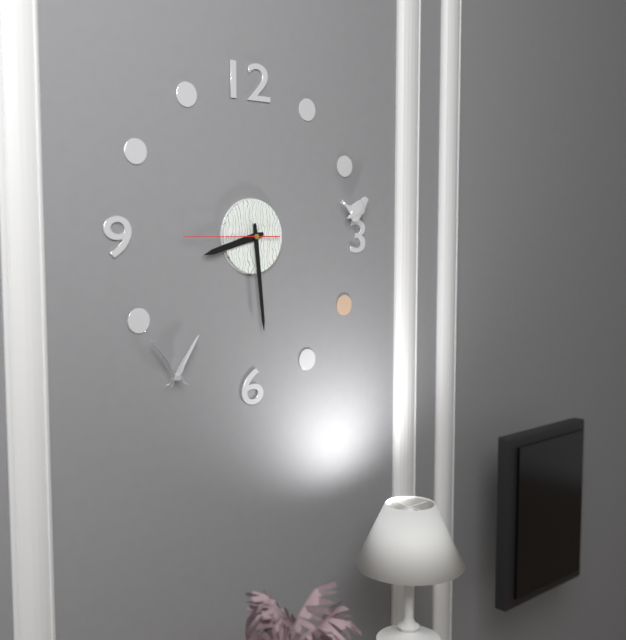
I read 8h29m45s
